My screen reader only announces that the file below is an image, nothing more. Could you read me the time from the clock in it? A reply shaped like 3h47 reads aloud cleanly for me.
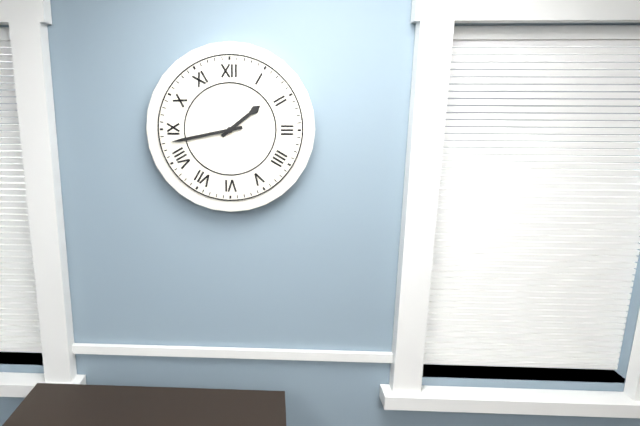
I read 1h43
